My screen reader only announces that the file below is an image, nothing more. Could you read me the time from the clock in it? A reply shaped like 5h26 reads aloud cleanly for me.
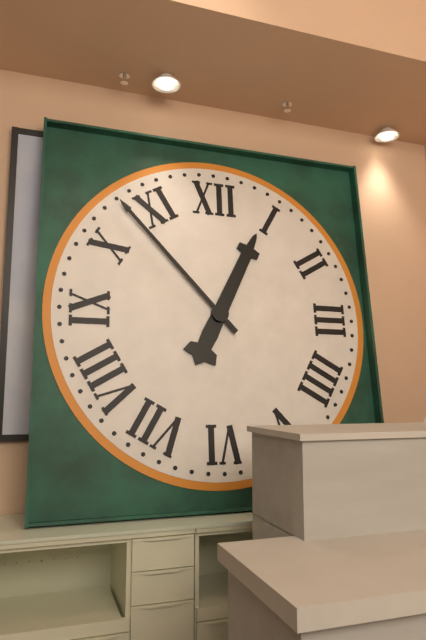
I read 12h53
